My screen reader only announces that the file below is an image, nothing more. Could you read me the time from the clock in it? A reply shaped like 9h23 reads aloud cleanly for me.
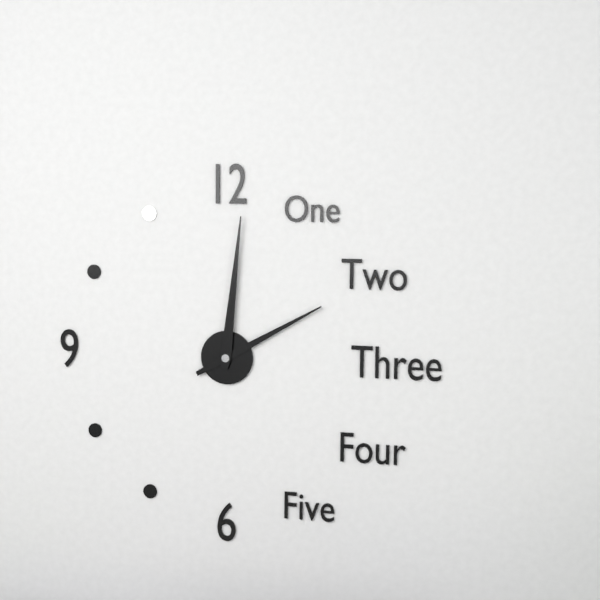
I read 2h01
